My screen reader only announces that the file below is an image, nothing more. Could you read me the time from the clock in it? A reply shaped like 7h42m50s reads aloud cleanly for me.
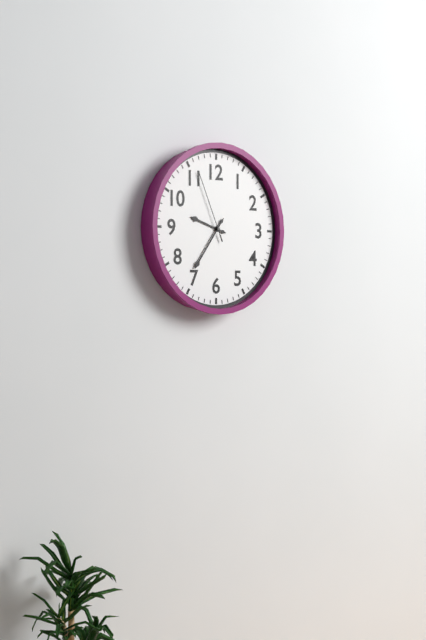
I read 9h36m56s
